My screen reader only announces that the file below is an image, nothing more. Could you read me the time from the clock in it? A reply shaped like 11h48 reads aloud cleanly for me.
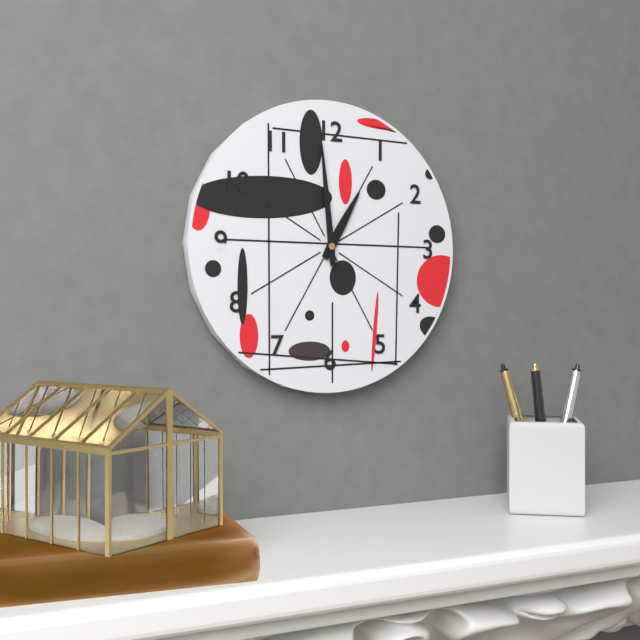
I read 12h59
